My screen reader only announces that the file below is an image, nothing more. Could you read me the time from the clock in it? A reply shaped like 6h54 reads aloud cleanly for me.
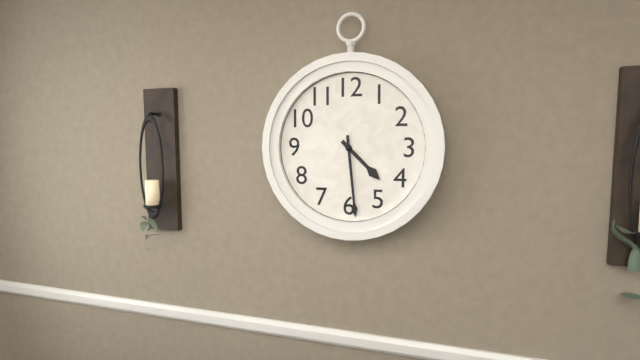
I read 4h29
